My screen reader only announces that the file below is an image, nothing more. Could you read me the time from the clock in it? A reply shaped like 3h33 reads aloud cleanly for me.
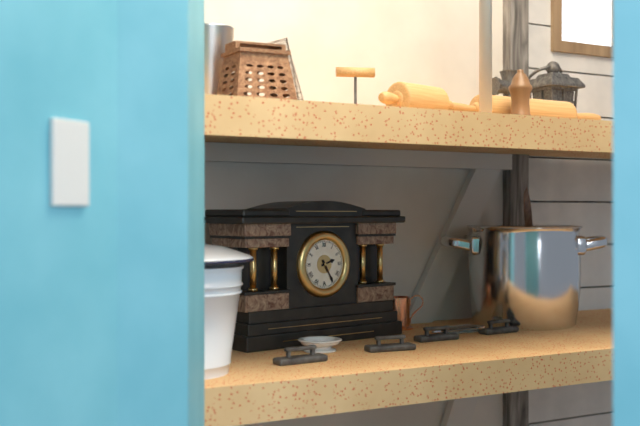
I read 2h25
